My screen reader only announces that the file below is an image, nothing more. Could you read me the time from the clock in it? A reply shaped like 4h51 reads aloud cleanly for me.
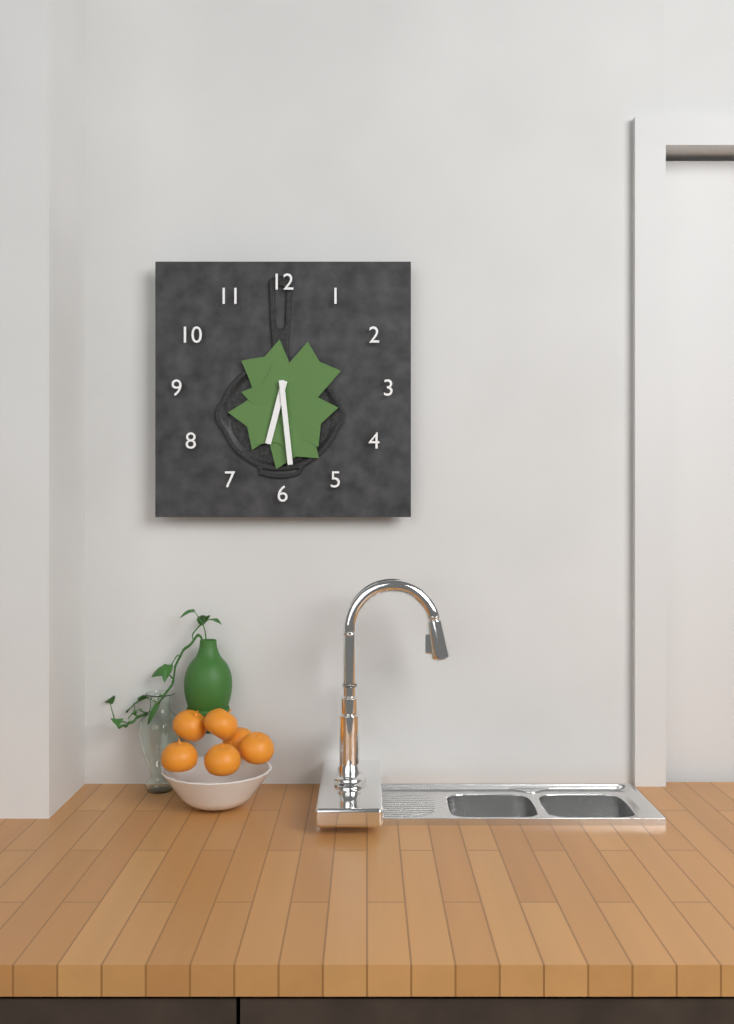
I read 6h29
